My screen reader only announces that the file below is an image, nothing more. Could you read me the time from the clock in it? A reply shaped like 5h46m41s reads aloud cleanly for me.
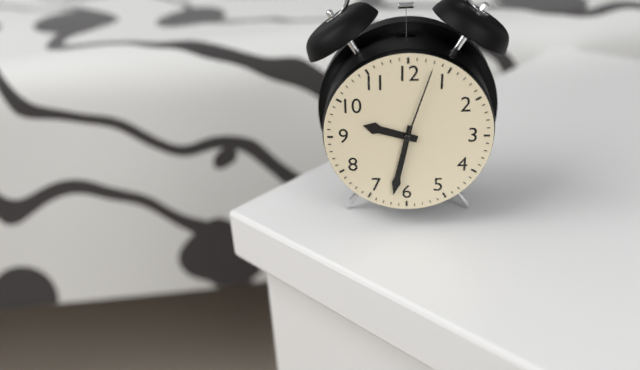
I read 9h32m03s
